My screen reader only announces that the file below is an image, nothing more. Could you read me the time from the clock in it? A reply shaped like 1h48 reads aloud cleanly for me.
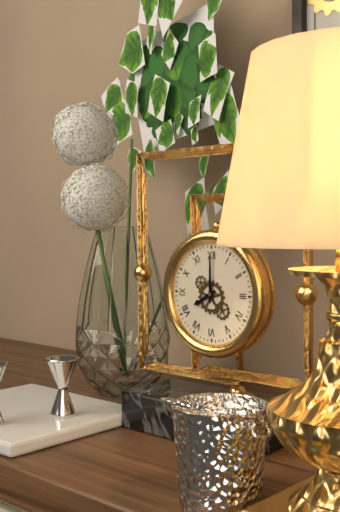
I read 8h00
